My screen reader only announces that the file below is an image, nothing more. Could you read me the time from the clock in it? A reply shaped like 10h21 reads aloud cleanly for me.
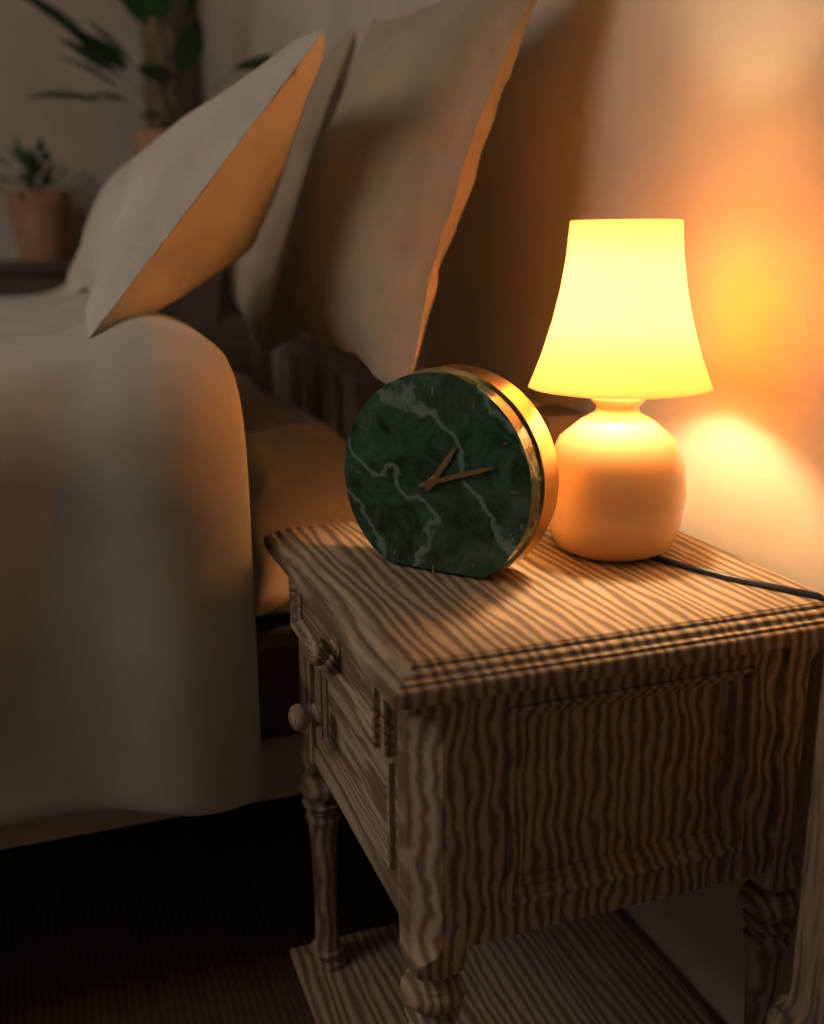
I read 1h12
